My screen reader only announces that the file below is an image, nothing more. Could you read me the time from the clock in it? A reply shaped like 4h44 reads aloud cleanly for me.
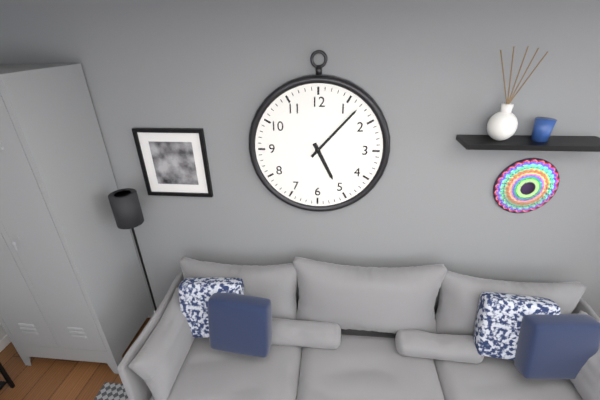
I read 5h07
